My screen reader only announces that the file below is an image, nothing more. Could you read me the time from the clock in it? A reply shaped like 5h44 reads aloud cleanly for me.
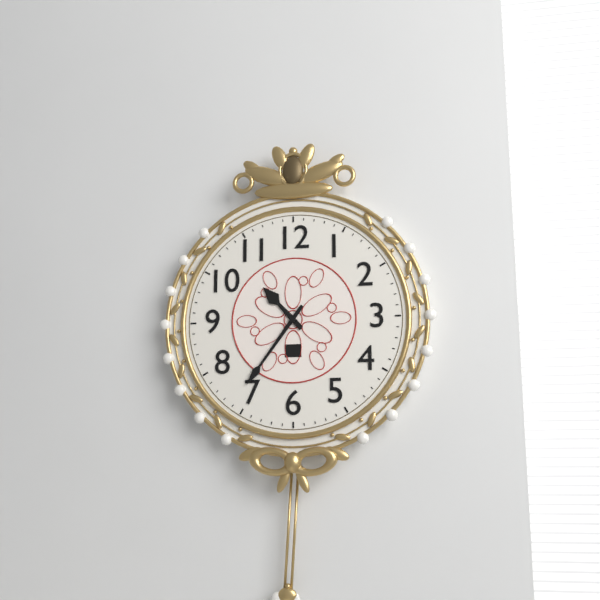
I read 10h36
